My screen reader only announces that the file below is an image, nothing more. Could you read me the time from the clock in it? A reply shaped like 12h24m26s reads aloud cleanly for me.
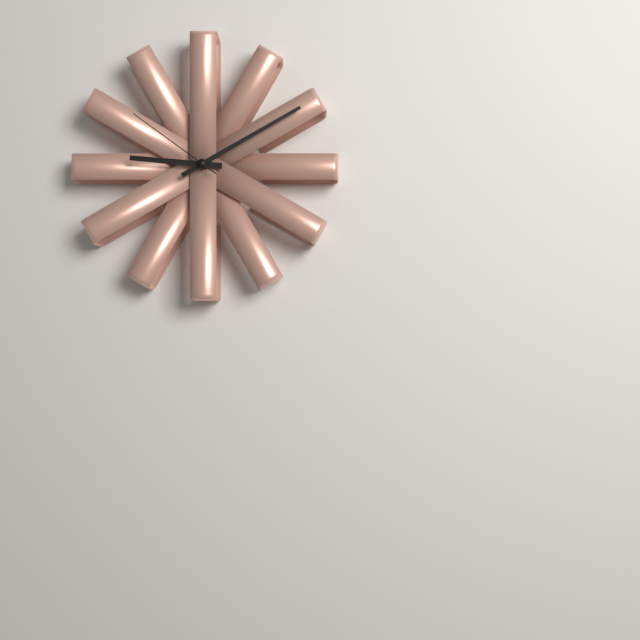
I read 9h10m51s
